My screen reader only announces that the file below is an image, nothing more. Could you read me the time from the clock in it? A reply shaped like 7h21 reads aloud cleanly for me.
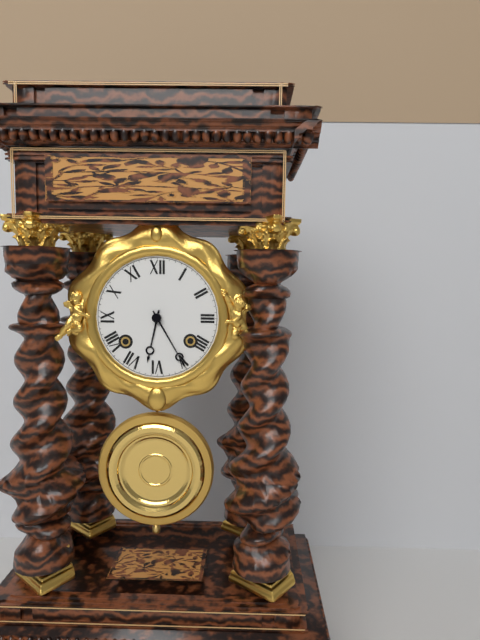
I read 6h25
